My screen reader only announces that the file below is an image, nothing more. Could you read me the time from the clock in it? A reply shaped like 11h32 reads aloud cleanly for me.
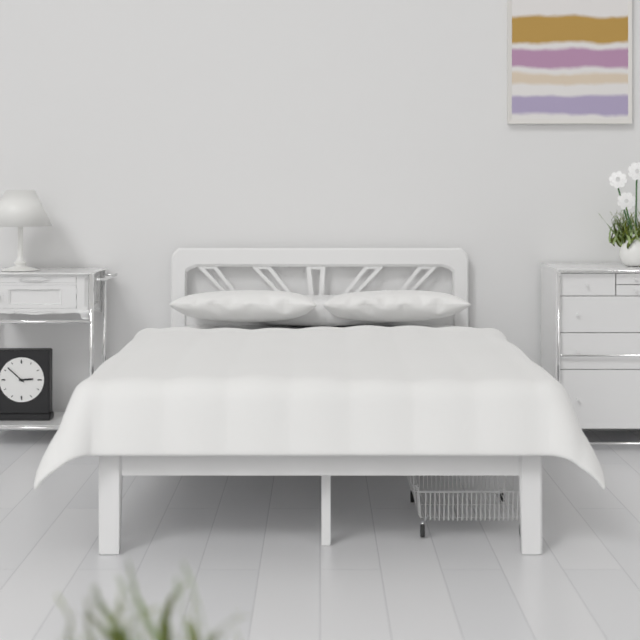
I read 2h52
